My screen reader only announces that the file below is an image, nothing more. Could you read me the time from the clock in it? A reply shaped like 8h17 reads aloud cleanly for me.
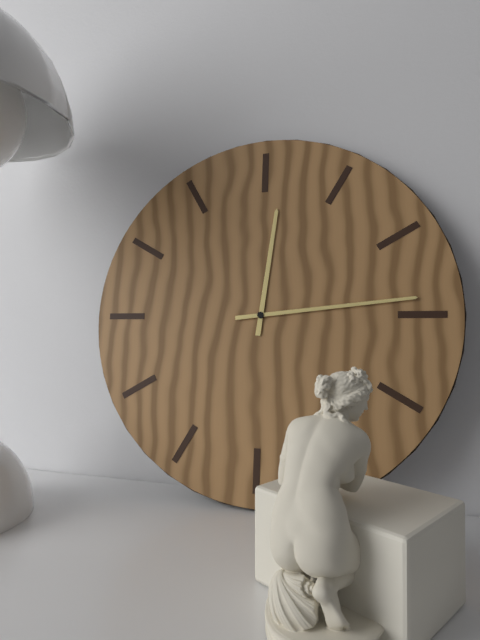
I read 12h14
